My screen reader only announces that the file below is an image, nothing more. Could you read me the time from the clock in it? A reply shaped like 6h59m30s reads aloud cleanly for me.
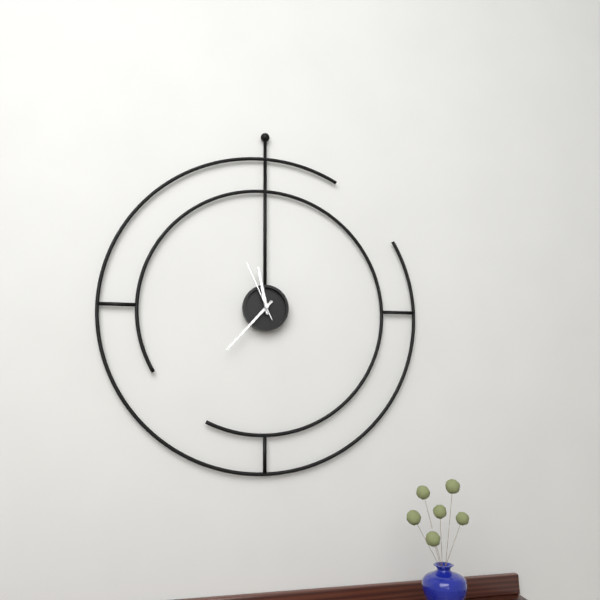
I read 11h37m56s
